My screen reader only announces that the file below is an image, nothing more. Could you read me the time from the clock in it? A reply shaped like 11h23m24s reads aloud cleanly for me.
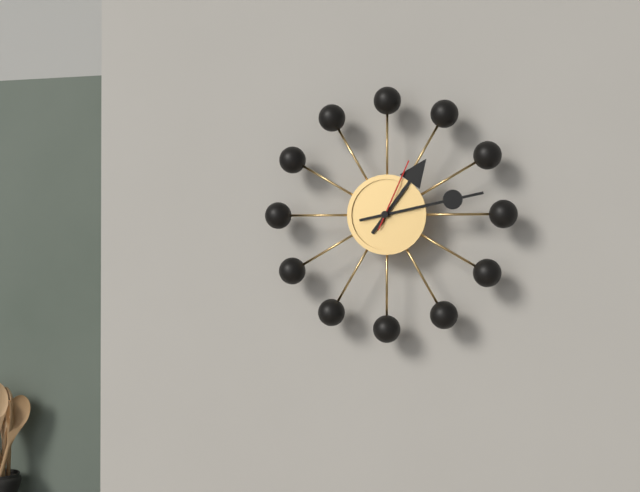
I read 1h13m04s
